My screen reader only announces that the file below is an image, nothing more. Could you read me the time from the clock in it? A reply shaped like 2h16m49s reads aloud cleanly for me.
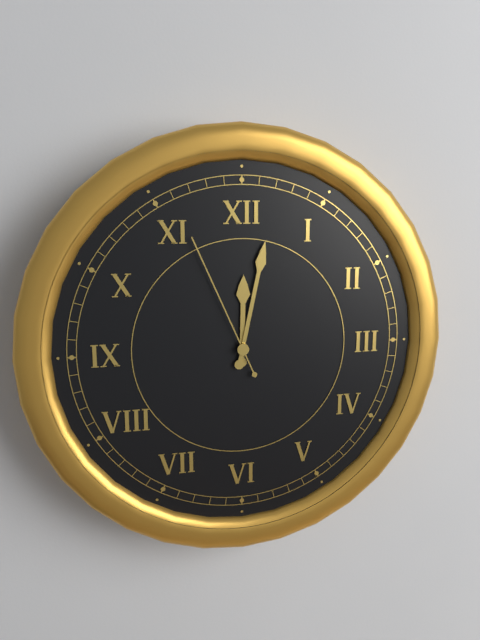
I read 12h02m56s
